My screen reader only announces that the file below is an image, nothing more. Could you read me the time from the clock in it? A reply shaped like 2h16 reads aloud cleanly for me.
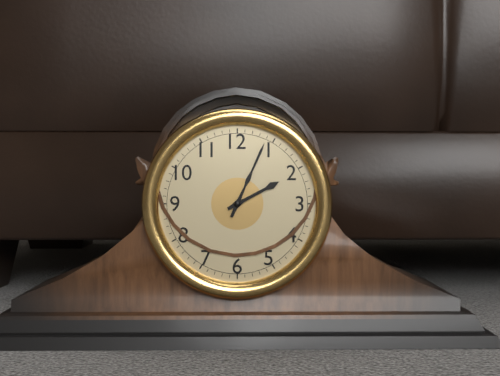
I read 2h04
